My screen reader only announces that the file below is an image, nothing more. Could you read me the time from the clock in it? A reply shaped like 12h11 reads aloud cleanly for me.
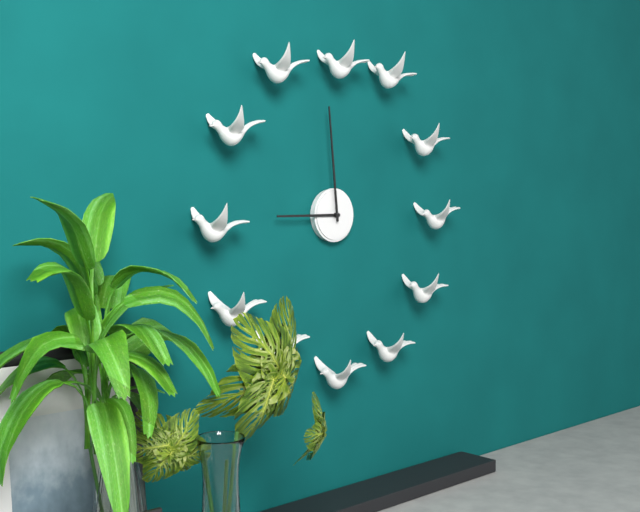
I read 8h59
